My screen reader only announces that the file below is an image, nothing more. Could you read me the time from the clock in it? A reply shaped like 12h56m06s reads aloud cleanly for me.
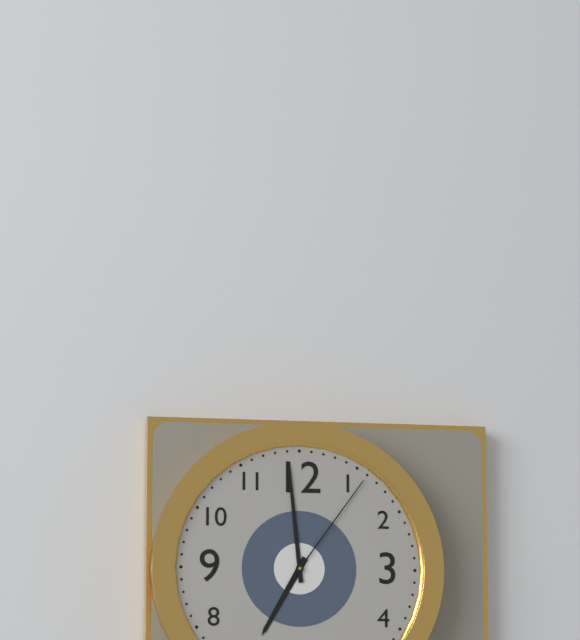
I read 6h59m06s
